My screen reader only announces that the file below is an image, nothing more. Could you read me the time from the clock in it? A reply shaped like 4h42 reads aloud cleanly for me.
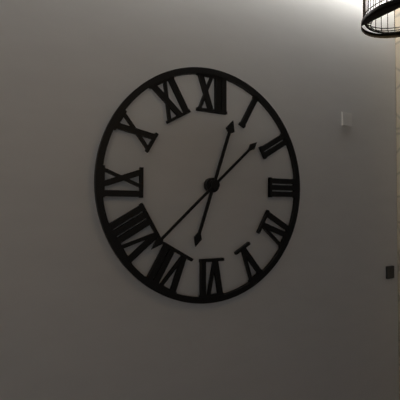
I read 12h38
